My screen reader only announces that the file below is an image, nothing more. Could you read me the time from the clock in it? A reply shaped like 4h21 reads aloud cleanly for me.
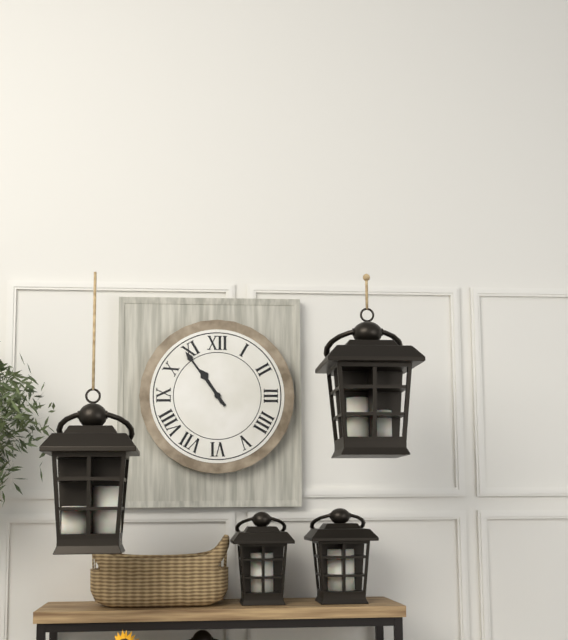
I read 10h54
